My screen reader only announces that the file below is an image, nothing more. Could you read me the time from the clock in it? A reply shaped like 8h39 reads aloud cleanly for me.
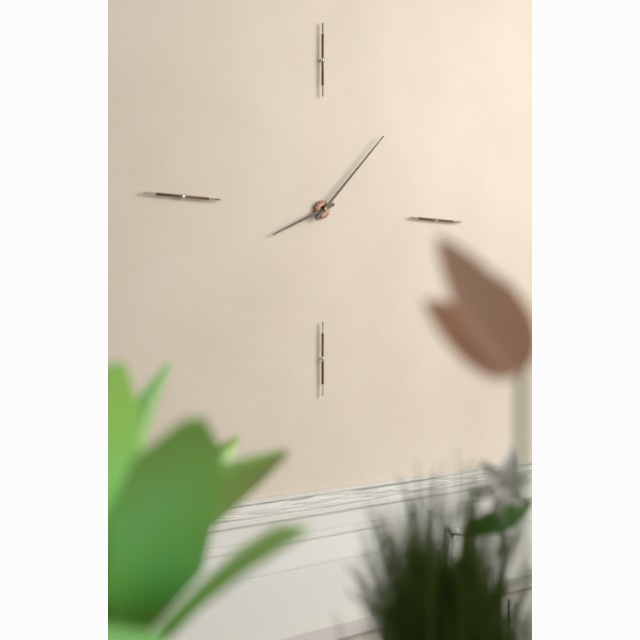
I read 8h07
